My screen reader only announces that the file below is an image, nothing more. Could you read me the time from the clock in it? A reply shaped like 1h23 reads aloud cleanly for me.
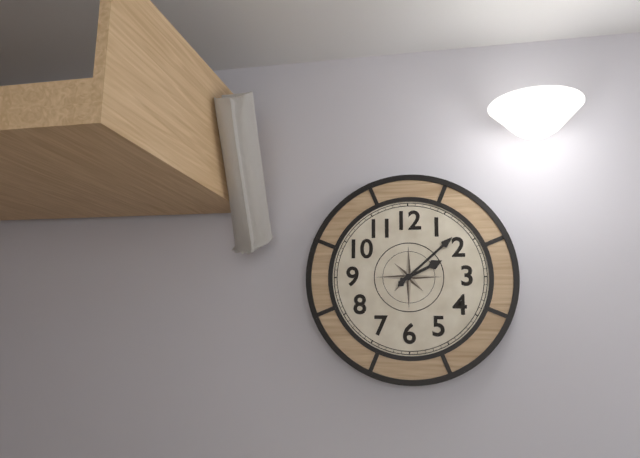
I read 2h08
